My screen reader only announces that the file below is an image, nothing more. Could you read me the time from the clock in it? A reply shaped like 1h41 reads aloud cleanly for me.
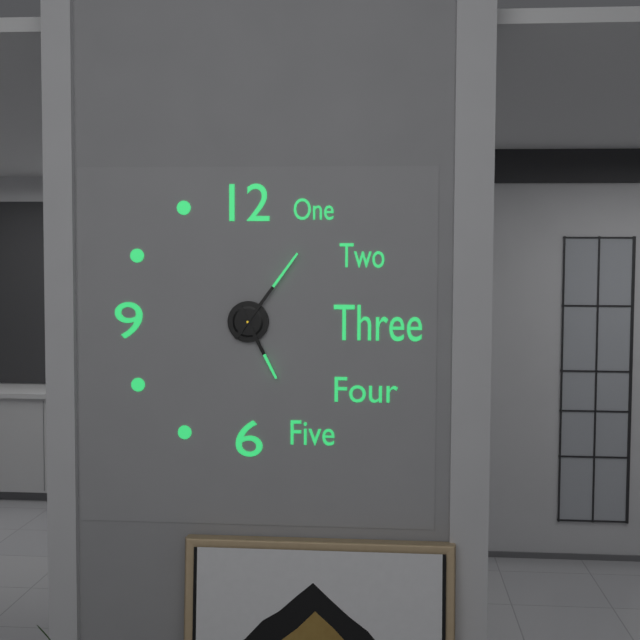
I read 5h06
